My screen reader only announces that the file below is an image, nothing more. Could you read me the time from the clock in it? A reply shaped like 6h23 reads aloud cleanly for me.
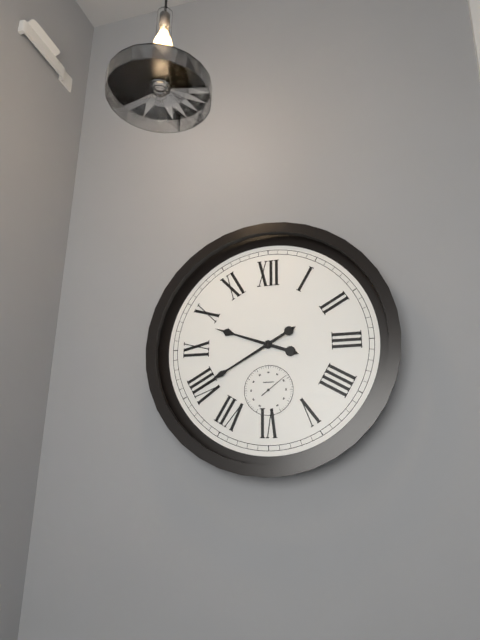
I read 9h40
